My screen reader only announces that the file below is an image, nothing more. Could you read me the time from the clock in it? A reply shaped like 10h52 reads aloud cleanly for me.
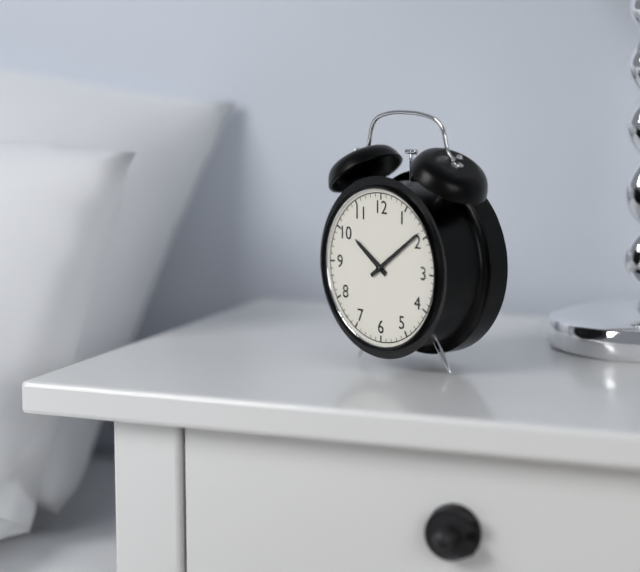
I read 10h09
